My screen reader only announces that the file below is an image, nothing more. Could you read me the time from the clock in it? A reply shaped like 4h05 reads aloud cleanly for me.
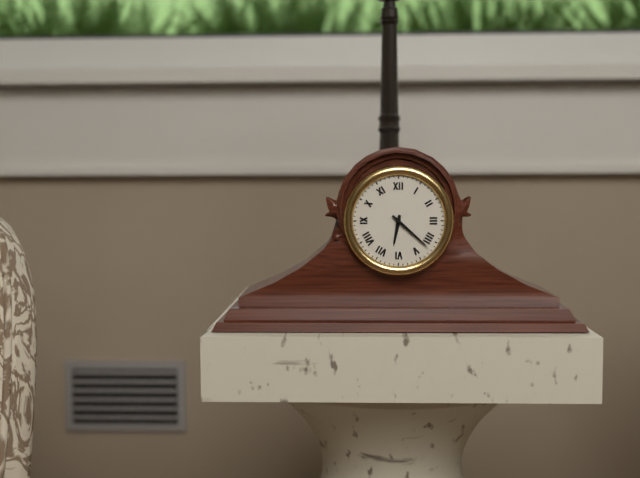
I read 6h22
